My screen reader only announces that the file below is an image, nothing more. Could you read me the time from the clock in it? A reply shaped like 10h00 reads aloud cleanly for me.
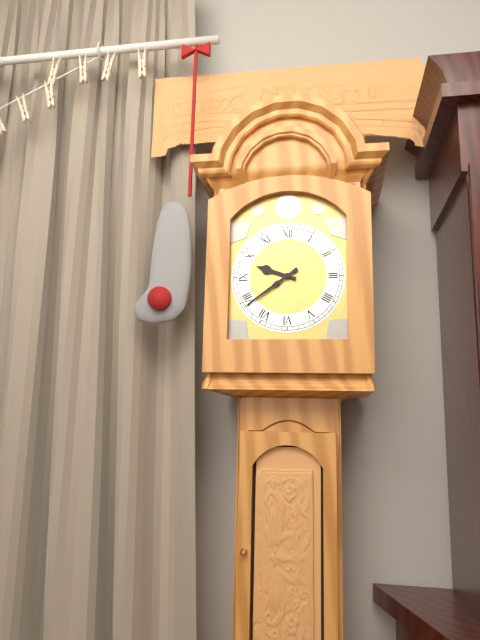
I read 9h39
